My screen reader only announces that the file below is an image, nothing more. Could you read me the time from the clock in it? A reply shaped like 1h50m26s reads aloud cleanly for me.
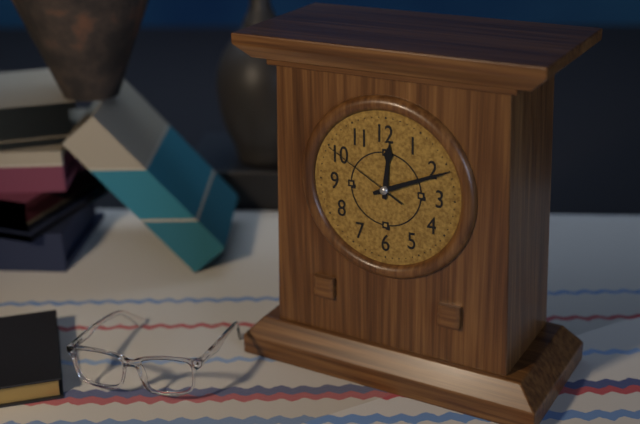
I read 12h11m50s
